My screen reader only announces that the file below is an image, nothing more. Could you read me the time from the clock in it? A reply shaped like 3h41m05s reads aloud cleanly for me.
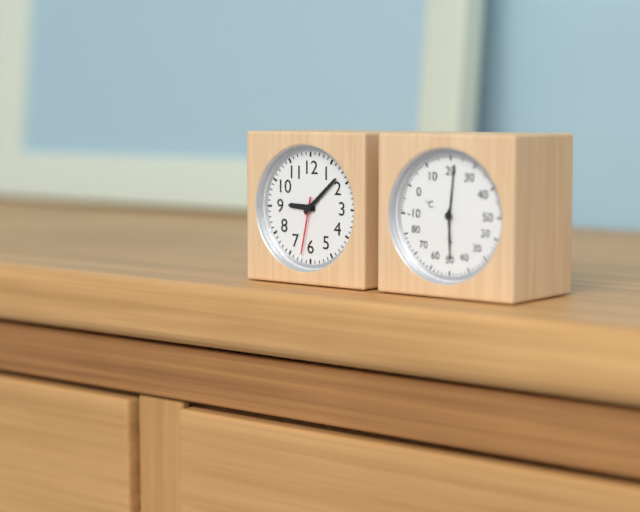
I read 9h08m32s
